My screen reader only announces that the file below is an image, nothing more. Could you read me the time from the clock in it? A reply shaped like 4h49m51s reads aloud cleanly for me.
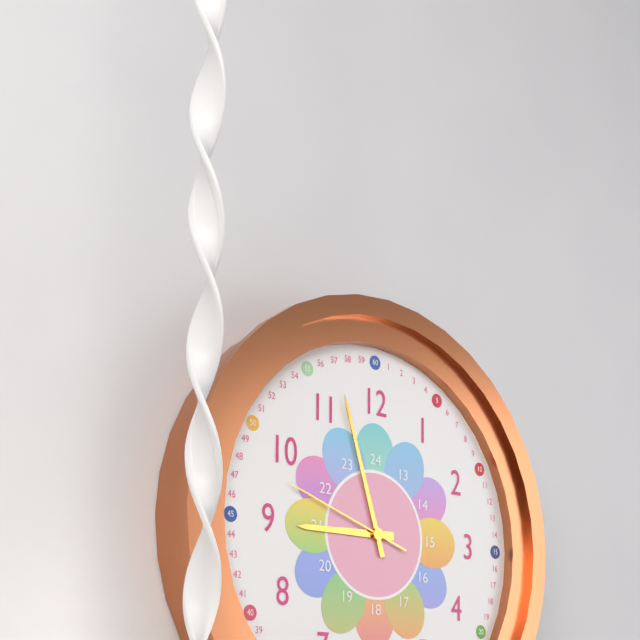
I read 8h57m48s
